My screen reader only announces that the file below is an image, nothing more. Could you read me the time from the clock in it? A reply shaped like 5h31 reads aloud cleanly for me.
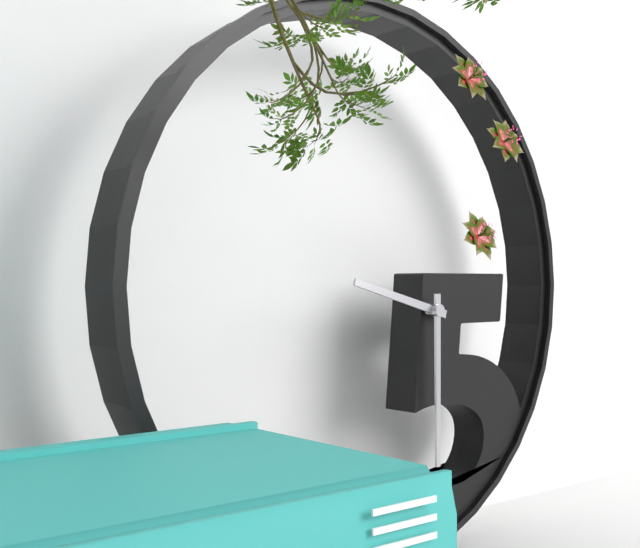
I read 9h30
